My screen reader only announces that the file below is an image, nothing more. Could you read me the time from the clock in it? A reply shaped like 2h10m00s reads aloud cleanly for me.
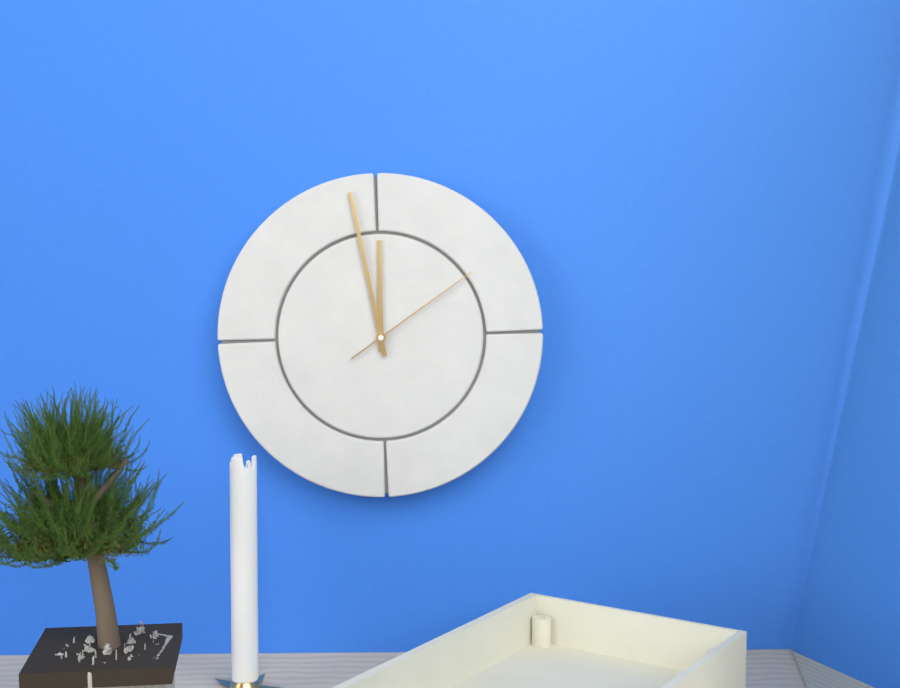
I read 11h58m09s
